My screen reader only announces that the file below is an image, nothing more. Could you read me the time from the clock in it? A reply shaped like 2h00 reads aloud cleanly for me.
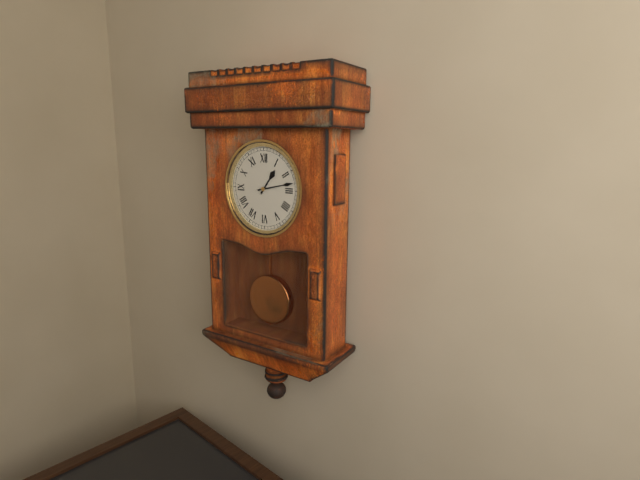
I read 1h13
